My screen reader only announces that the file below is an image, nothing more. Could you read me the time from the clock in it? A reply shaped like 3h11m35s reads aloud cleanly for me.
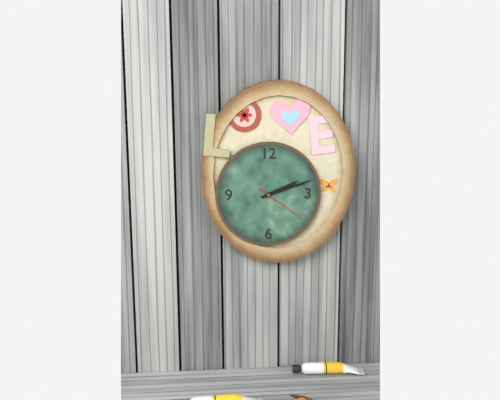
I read 2h12m21s
